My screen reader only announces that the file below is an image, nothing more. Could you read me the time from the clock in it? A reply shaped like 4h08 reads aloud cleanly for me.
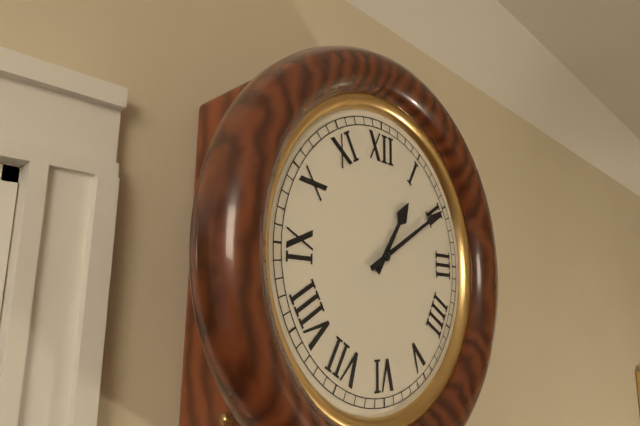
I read 1h10
